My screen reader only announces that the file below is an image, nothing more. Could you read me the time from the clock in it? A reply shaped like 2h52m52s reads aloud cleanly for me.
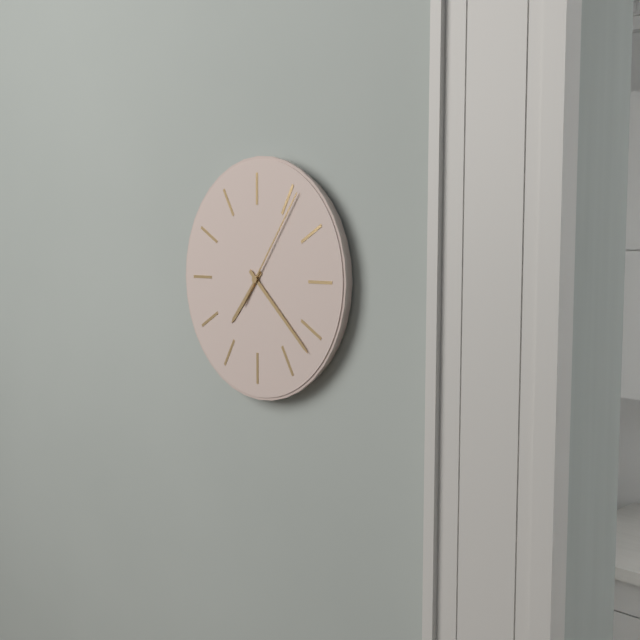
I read 7h22m06s
